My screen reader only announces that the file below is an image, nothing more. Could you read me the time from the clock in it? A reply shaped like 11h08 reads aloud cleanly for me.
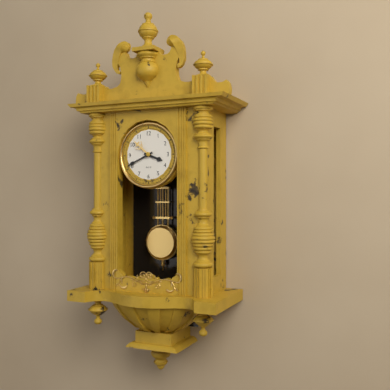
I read 3h41
